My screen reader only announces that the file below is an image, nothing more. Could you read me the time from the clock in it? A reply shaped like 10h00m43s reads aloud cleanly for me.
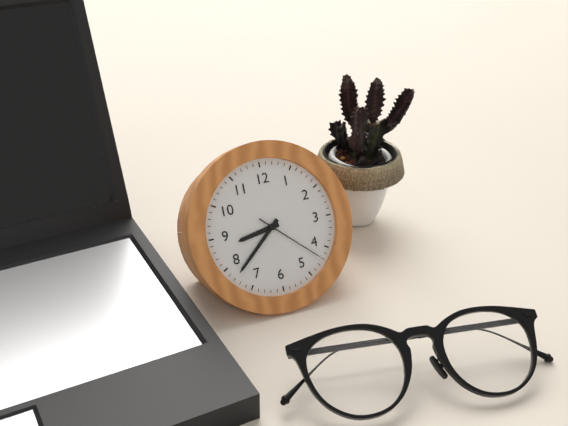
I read 8h38m22s
